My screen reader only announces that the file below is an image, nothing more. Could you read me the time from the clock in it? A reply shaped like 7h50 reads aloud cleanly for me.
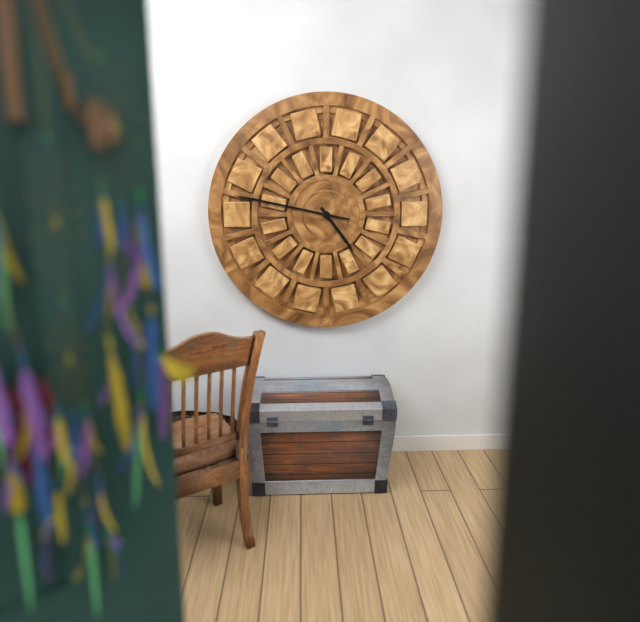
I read 4h47
